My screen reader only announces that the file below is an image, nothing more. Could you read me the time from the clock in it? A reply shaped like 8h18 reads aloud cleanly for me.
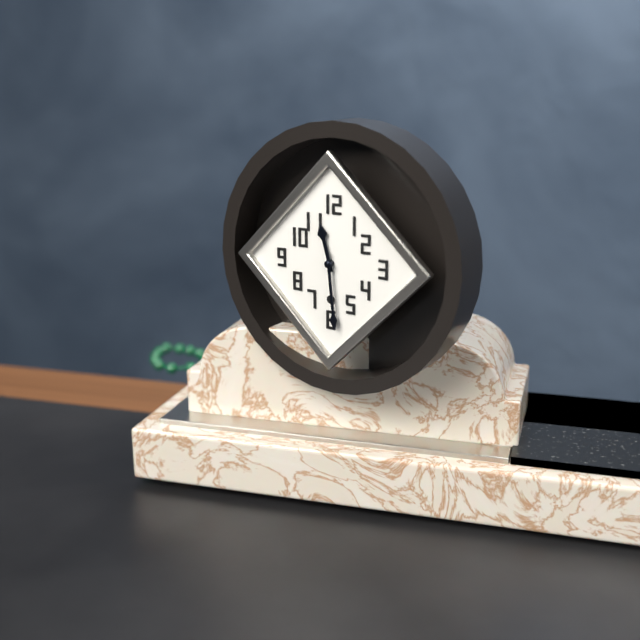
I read 11h29
